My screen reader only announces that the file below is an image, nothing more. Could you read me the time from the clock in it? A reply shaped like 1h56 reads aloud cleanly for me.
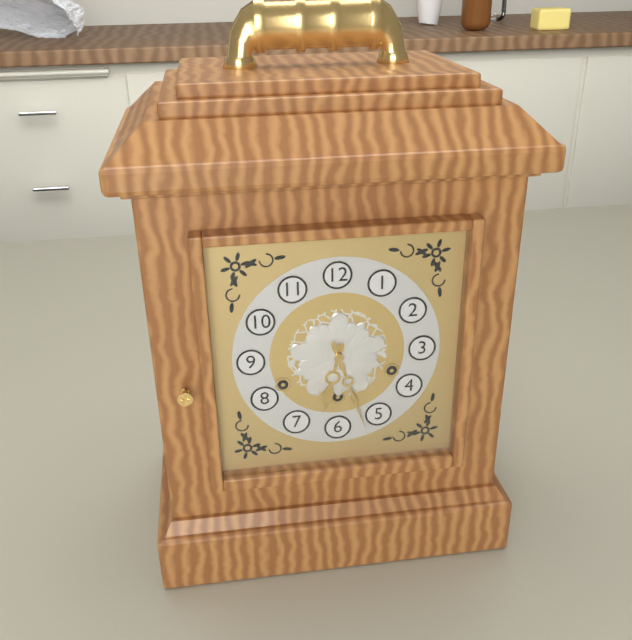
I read 6h27
